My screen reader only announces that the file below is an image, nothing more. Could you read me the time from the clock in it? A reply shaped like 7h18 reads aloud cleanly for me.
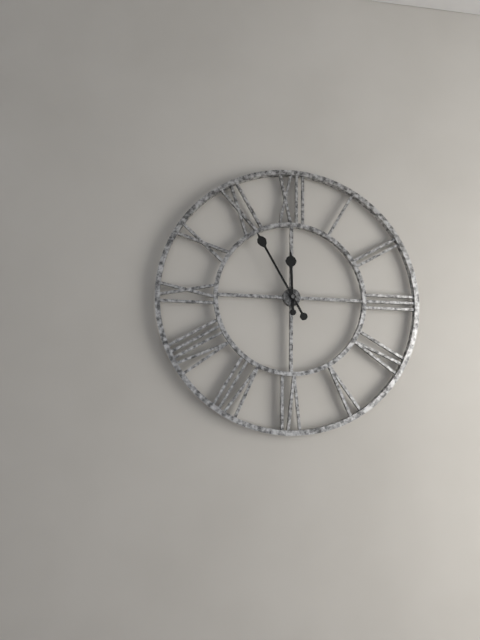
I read 11h55
